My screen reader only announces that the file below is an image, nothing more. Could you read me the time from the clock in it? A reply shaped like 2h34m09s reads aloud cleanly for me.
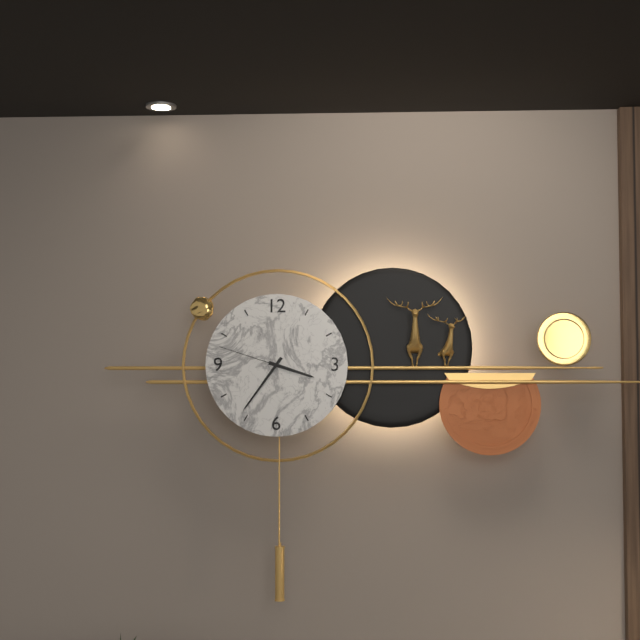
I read 3h36m48s
